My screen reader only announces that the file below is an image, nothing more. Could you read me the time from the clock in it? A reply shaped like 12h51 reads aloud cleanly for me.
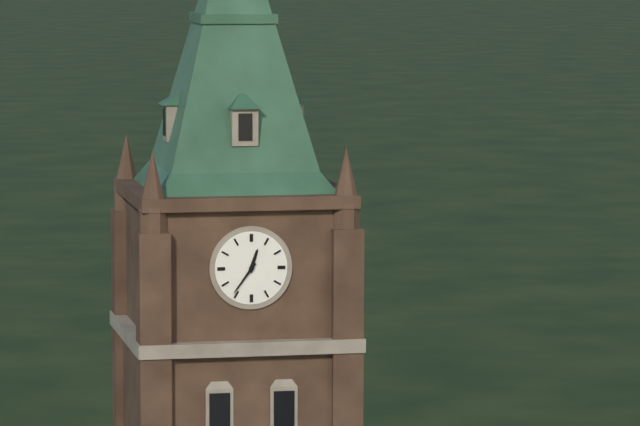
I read 12h36
